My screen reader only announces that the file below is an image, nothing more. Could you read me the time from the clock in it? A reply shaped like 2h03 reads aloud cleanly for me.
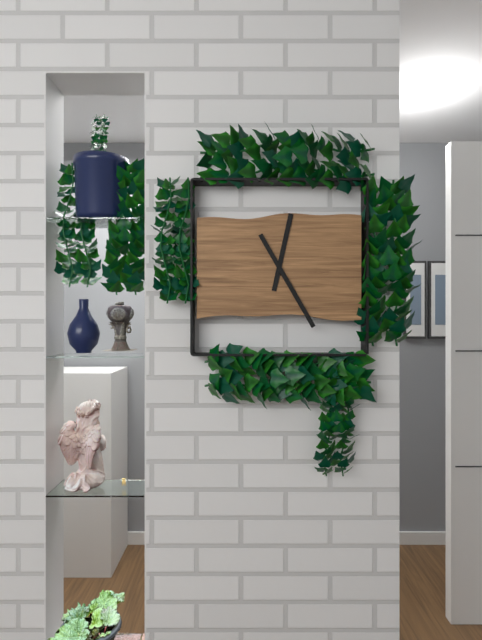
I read 12h25
